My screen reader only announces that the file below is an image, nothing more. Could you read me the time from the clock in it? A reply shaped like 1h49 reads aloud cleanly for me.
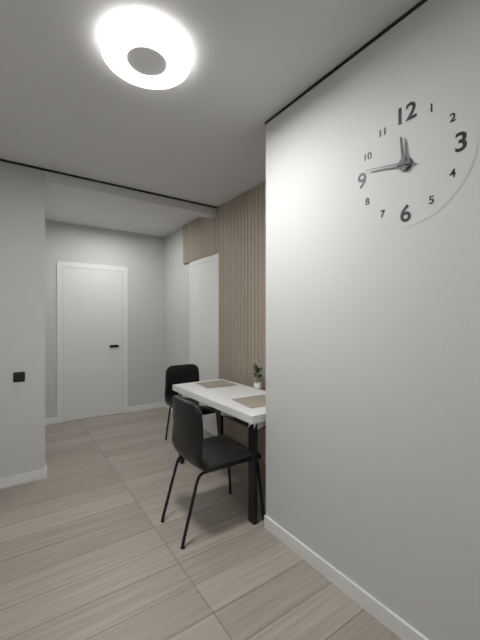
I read 11h47
